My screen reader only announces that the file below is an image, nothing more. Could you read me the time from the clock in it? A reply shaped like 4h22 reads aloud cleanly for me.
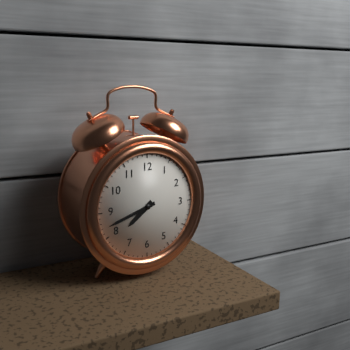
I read 7h42
